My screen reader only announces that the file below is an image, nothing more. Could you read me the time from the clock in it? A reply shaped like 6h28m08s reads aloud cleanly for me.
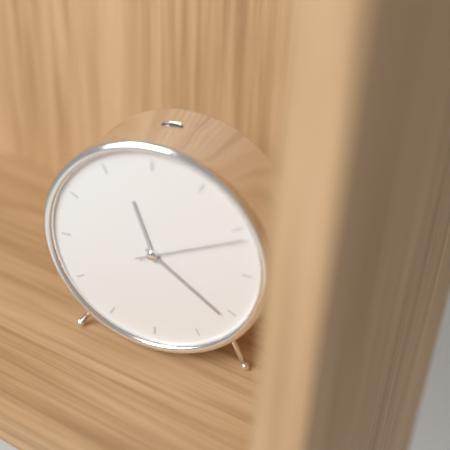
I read 11h21m11s
